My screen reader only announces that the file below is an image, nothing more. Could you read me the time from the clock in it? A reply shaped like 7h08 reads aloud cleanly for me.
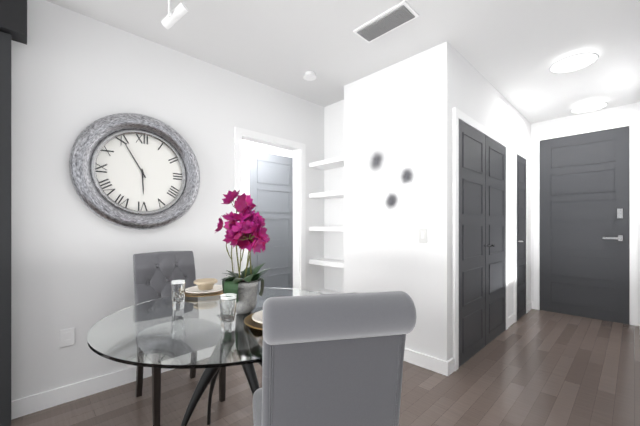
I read 5h55
